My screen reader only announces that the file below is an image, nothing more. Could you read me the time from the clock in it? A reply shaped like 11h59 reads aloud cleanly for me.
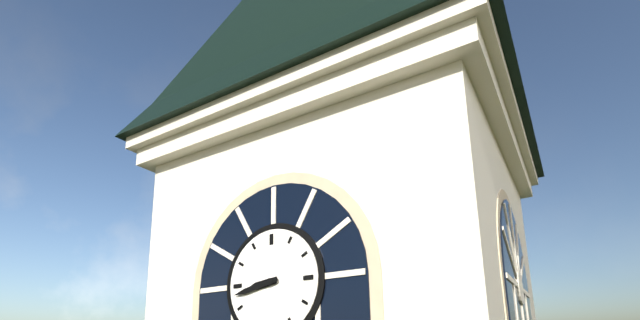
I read 8h43
